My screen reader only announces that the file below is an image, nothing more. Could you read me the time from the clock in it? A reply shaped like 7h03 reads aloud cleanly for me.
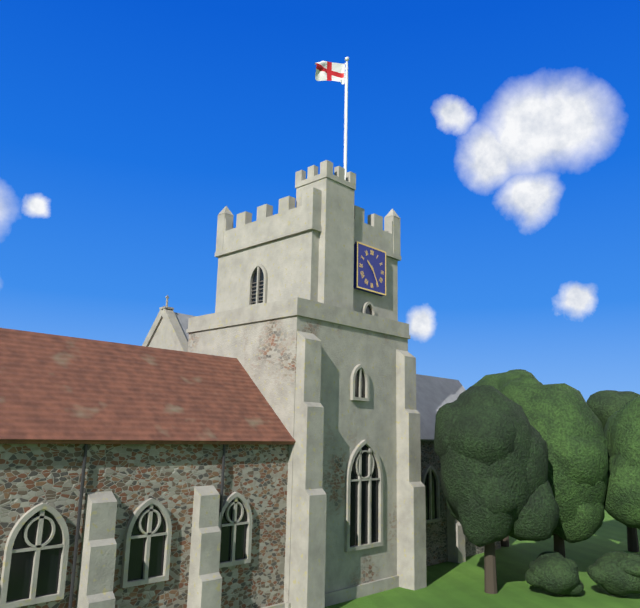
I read 10h25
